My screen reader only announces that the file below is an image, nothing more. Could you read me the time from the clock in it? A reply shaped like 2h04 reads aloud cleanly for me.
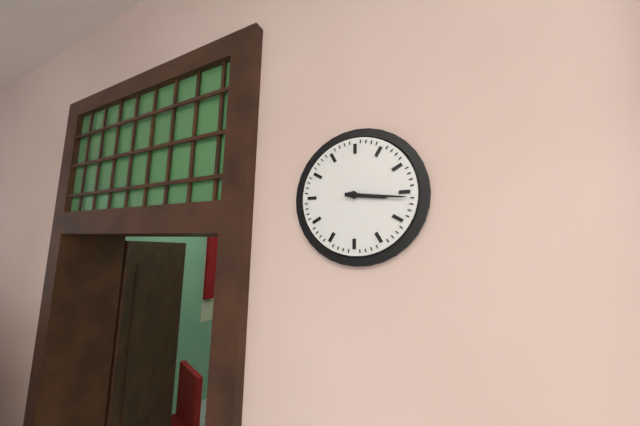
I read 3h16
